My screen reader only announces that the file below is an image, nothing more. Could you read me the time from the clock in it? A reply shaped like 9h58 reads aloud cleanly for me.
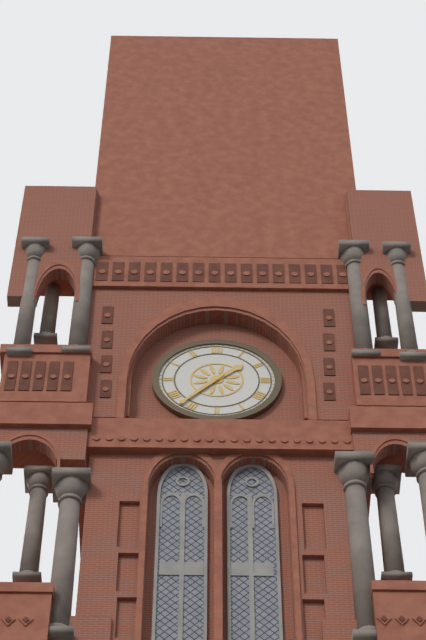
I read 1h37
